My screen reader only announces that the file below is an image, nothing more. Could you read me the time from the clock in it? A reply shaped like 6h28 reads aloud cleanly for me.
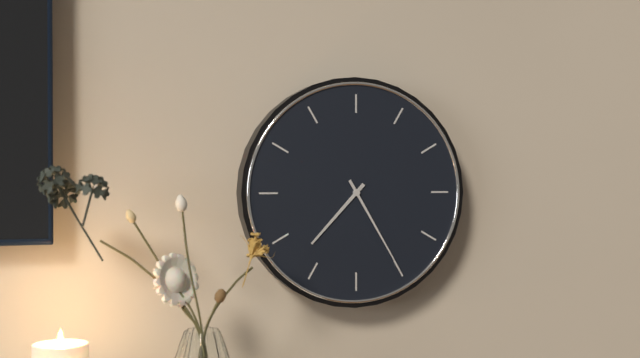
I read 7h25
